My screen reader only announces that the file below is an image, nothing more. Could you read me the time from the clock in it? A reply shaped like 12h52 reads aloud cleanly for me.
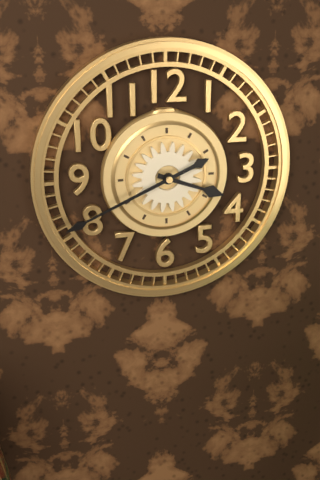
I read 3h41
